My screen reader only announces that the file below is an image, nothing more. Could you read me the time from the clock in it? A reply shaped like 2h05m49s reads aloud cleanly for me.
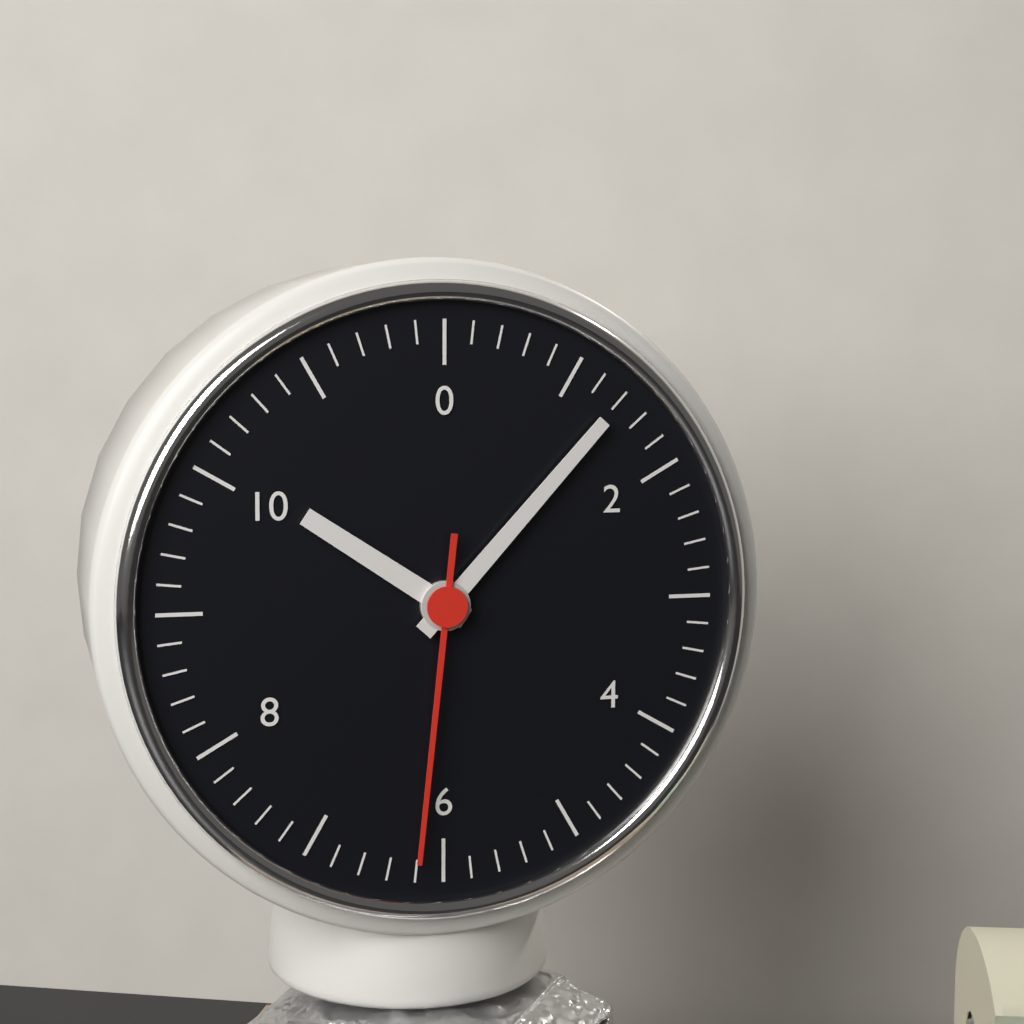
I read 10h07m31s
